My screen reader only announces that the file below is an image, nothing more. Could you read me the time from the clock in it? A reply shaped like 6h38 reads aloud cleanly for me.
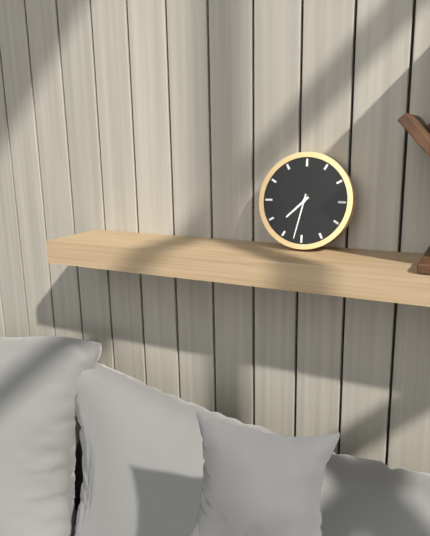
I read 7h32
